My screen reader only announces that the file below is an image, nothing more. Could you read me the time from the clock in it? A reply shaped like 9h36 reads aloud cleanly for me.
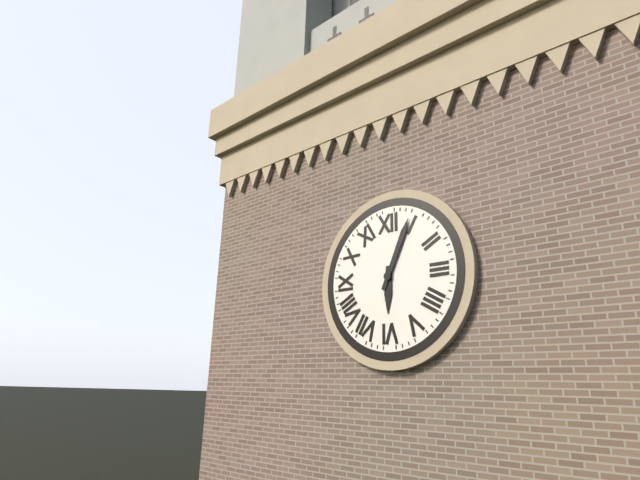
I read 6h04
